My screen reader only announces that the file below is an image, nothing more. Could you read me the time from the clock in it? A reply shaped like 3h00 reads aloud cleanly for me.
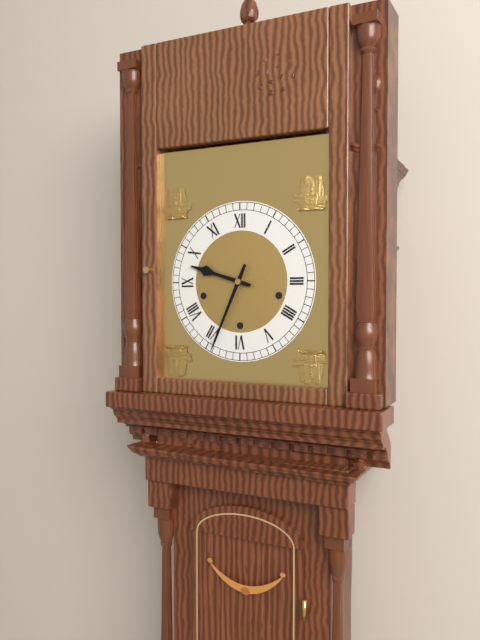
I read 9h34
